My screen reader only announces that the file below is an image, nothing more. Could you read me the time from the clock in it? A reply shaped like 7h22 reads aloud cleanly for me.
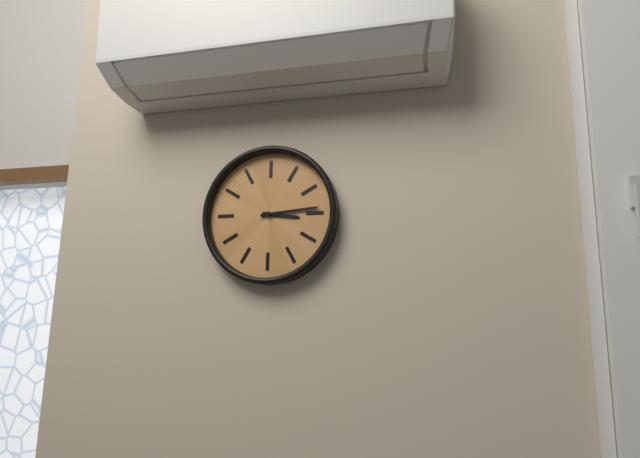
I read 3h14
